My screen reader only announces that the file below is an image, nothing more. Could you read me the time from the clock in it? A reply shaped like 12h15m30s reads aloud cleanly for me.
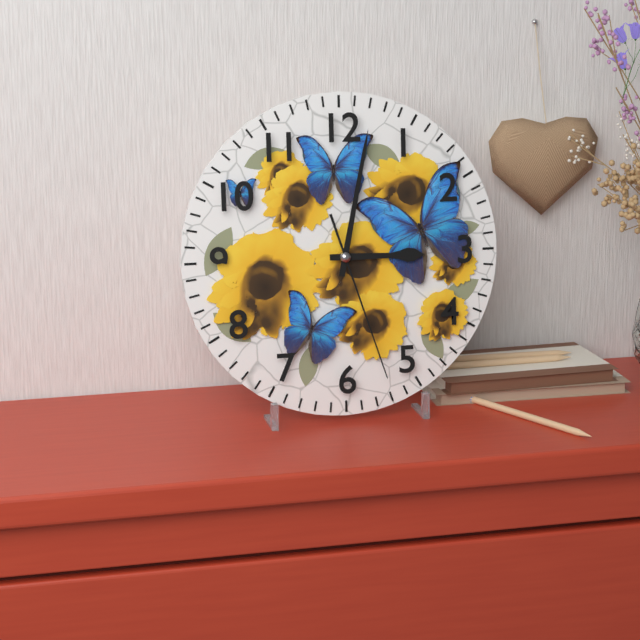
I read 3h02m27s
